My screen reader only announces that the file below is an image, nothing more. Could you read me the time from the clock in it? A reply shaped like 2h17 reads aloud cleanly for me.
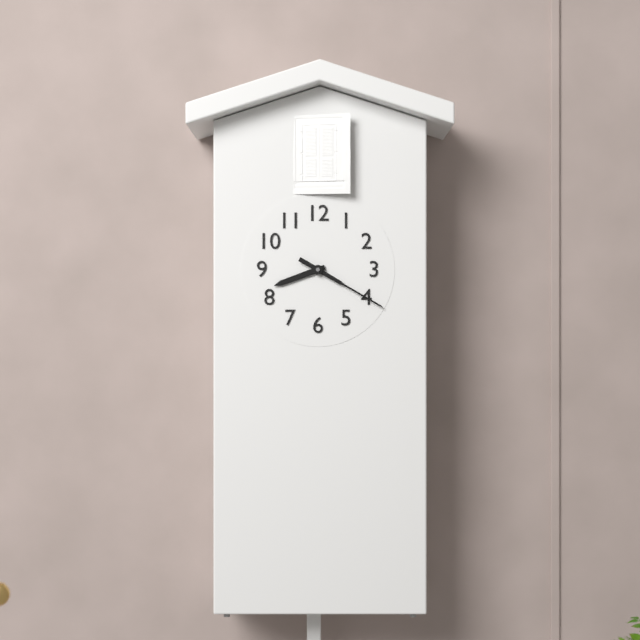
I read 8h20
